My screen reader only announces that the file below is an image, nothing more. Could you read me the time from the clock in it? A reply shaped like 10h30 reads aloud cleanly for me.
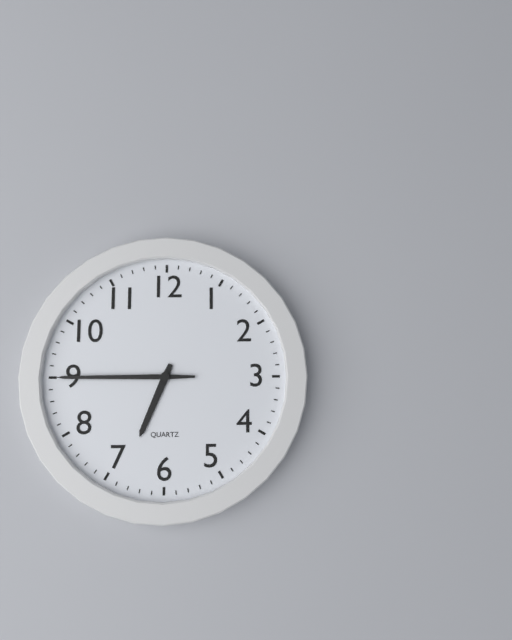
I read 6h45
